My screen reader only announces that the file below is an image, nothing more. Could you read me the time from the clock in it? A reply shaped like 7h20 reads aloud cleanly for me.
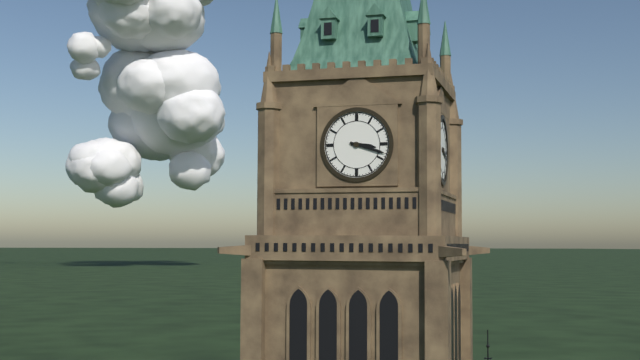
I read 3h18
